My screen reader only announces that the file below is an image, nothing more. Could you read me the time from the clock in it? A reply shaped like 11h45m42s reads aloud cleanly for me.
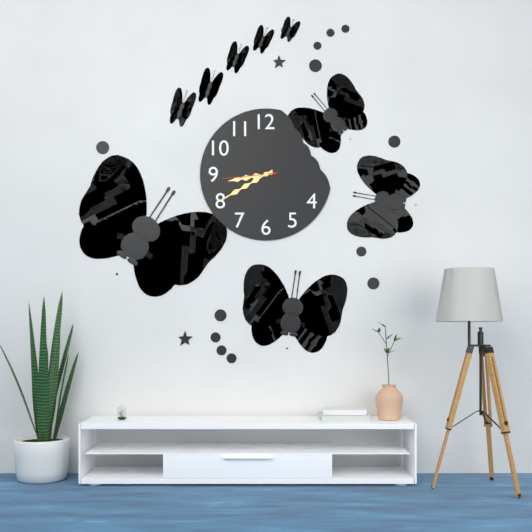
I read 8h40m44s
